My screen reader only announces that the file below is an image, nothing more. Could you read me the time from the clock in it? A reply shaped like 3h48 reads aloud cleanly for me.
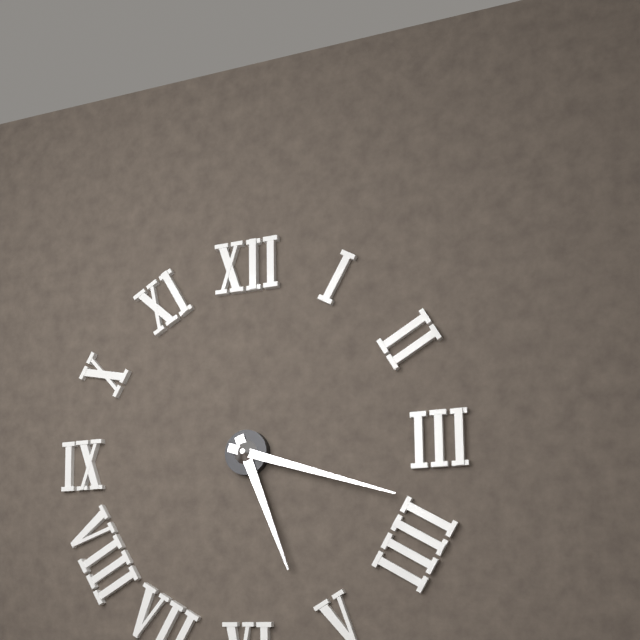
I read 5h18
